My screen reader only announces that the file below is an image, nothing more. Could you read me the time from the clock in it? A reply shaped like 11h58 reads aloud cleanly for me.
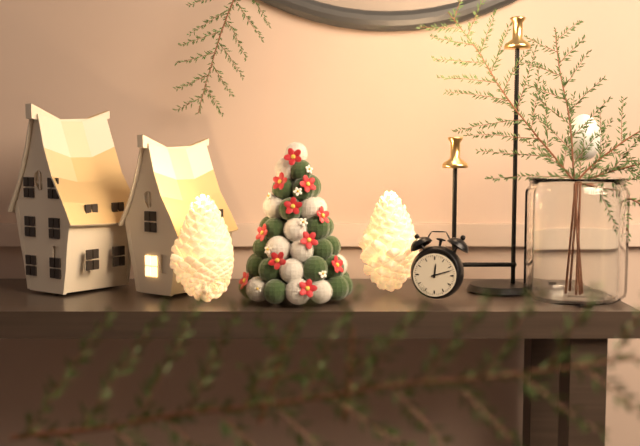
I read 12h12
